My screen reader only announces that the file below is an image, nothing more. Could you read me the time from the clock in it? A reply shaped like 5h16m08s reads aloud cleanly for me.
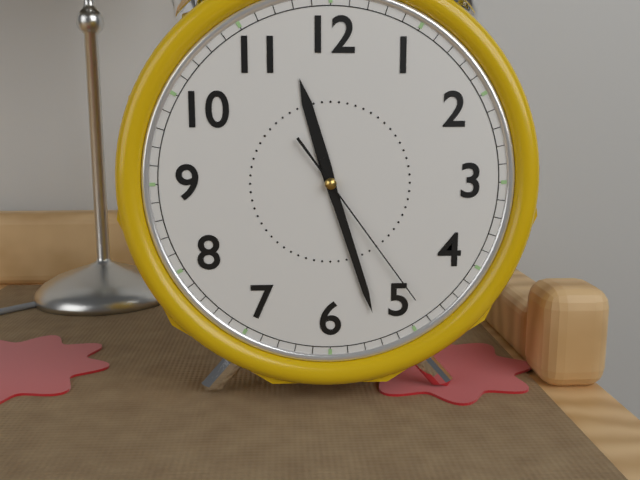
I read 11h27m24s
